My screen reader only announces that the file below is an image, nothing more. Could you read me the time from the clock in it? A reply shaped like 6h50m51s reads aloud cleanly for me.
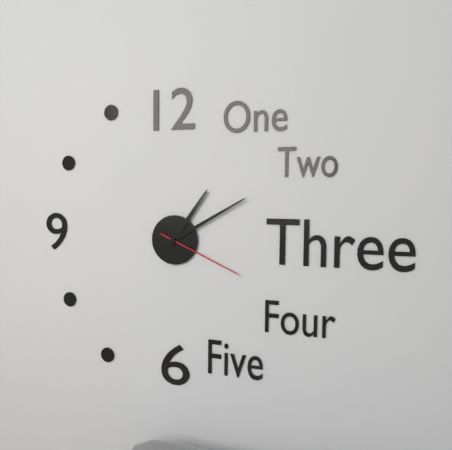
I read 1h10m19s
